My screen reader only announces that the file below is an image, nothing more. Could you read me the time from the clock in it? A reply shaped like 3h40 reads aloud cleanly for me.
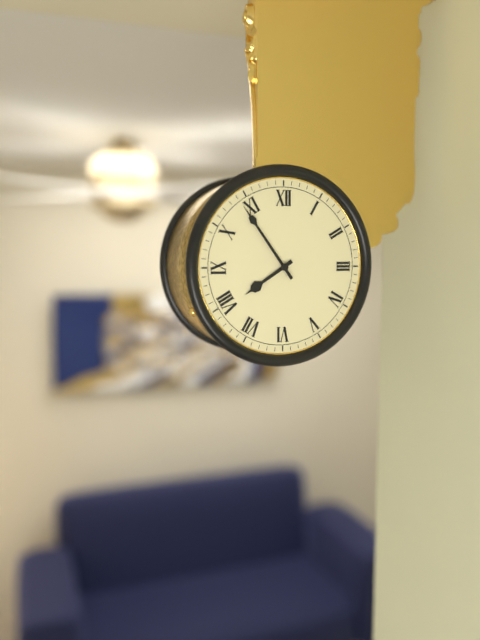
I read 7h54
